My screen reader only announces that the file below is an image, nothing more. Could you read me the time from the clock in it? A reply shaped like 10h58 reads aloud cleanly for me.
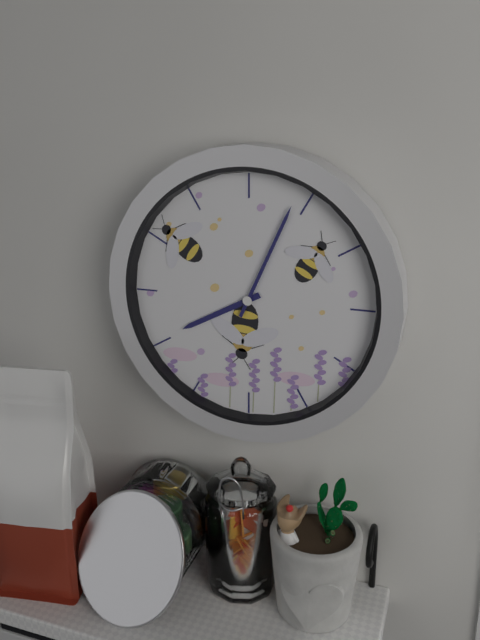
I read 8h04
